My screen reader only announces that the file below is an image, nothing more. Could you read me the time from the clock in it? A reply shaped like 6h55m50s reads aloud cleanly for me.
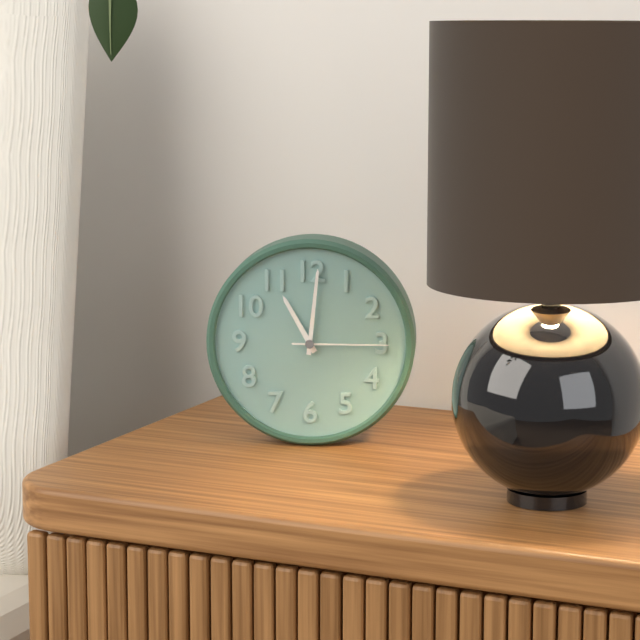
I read 11h01m15s
